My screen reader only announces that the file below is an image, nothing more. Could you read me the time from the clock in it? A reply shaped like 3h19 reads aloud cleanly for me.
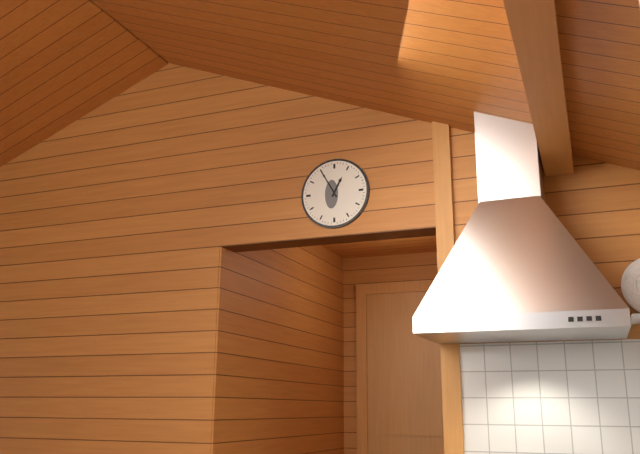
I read 12h55
